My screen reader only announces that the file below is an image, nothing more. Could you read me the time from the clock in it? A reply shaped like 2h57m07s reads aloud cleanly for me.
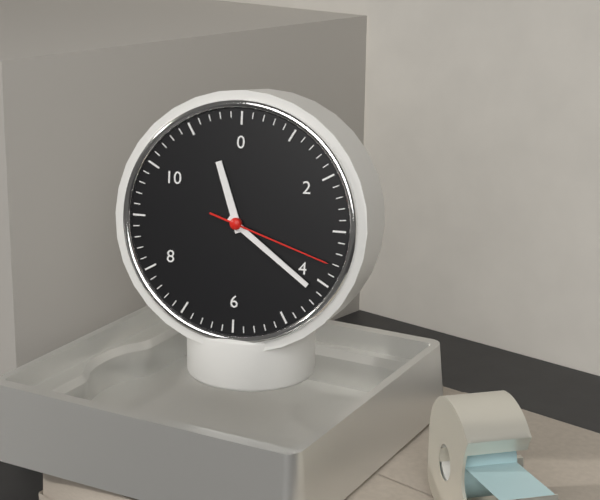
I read 11h21m18s
